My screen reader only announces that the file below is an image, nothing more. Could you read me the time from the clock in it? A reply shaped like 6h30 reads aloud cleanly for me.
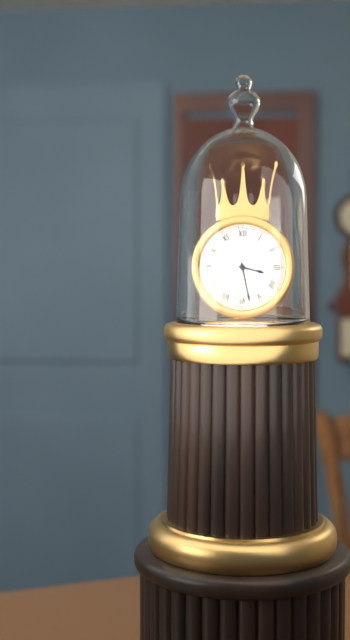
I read 3h28
